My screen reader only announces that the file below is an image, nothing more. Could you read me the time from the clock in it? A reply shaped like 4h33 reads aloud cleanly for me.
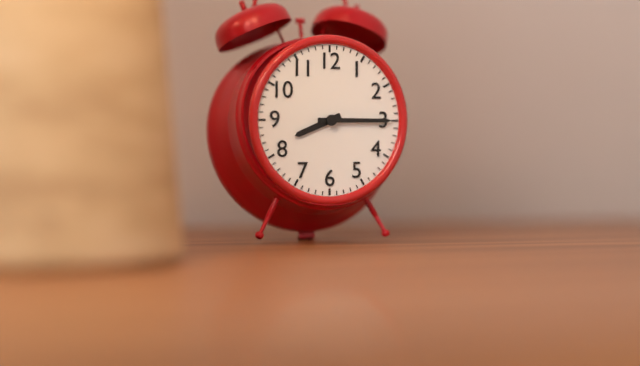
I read 8h15
